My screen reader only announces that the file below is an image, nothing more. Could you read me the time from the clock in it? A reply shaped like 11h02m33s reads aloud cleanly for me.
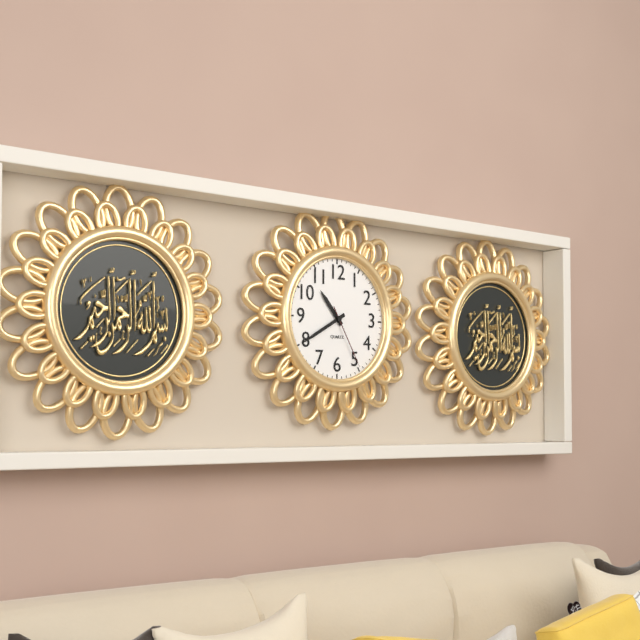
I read 10h40m25s
